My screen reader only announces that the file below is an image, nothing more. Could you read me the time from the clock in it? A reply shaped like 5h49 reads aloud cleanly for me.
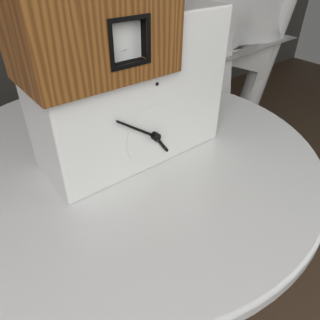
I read 4h51
